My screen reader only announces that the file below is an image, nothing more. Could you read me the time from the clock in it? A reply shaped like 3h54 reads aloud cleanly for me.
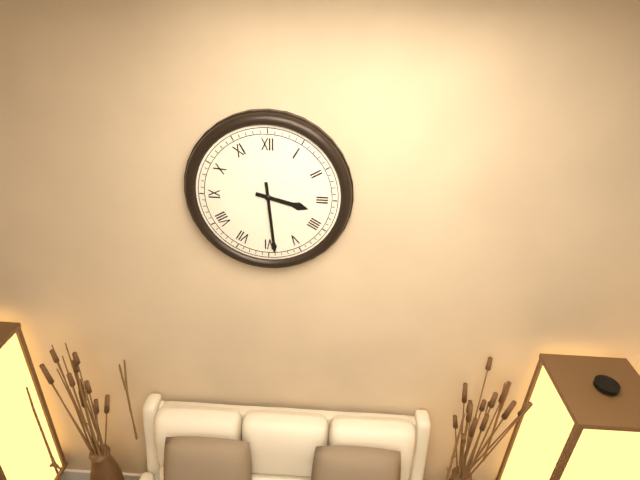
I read 3h29
